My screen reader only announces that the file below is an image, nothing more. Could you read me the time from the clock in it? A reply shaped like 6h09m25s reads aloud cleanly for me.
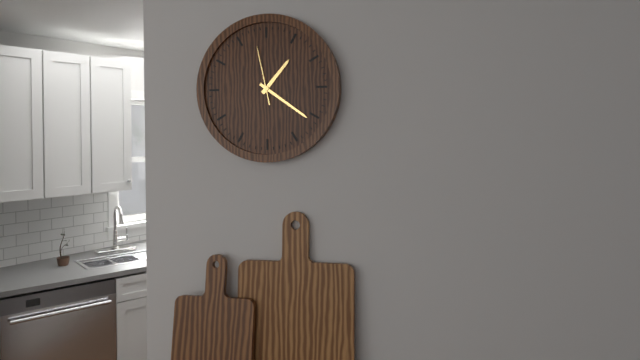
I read 1h21m58s
